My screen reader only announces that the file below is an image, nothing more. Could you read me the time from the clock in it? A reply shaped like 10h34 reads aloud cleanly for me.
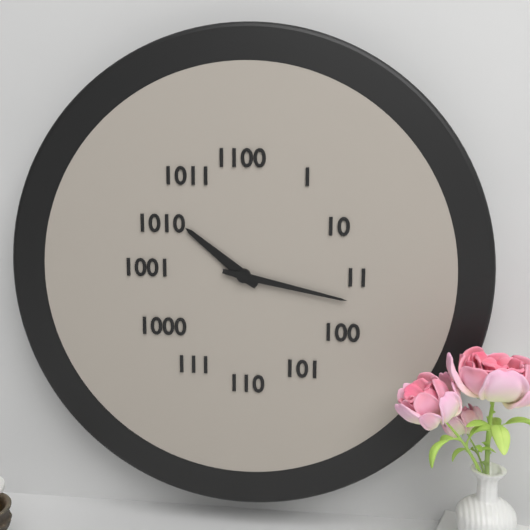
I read 10h17
